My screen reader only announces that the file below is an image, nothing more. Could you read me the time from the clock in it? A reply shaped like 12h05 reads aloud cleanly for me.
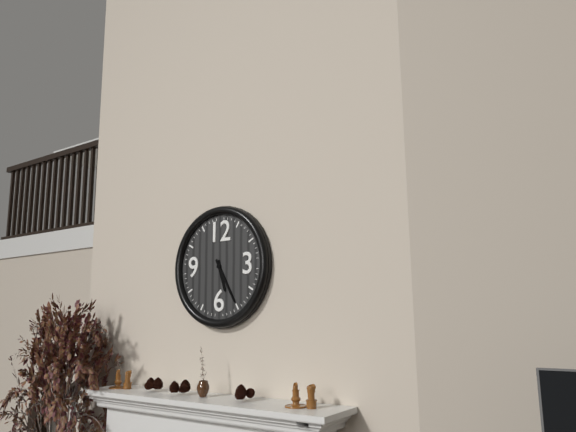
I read 5h25
